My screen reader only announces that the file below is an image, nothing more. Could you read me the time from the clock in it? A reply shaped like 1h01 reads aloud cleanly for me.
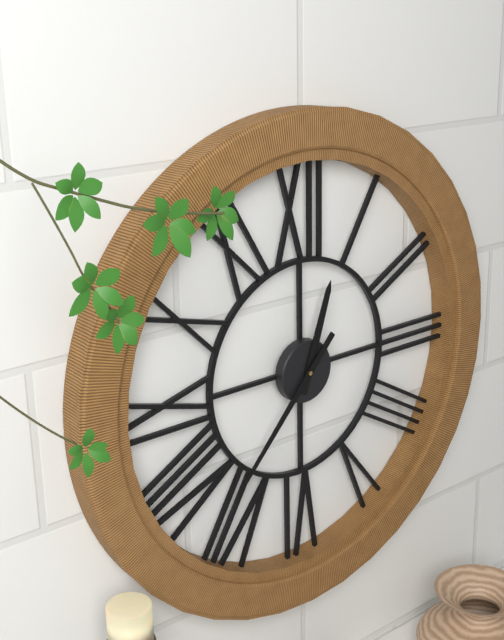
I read 12h37
